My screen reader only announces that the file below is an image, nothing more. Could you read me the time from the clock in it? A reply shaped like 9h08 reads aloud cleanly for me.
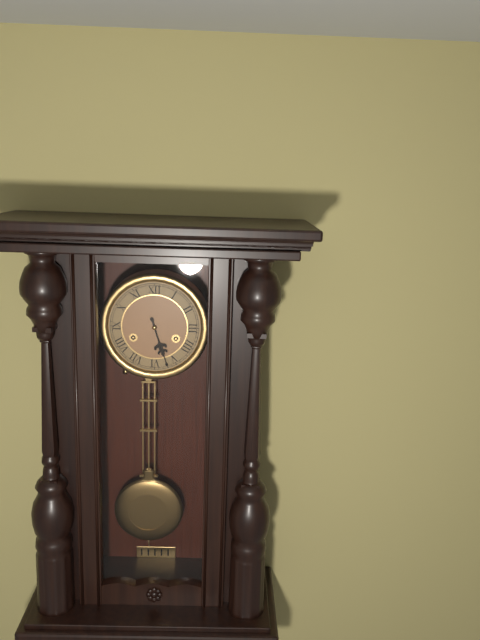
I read 5h27
